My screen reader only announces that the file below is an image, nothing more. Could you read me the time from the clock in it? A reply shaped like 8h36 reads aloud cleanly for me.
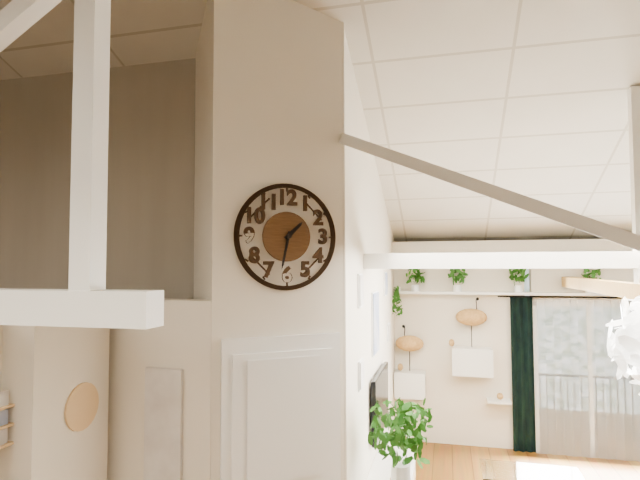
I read 1h32
